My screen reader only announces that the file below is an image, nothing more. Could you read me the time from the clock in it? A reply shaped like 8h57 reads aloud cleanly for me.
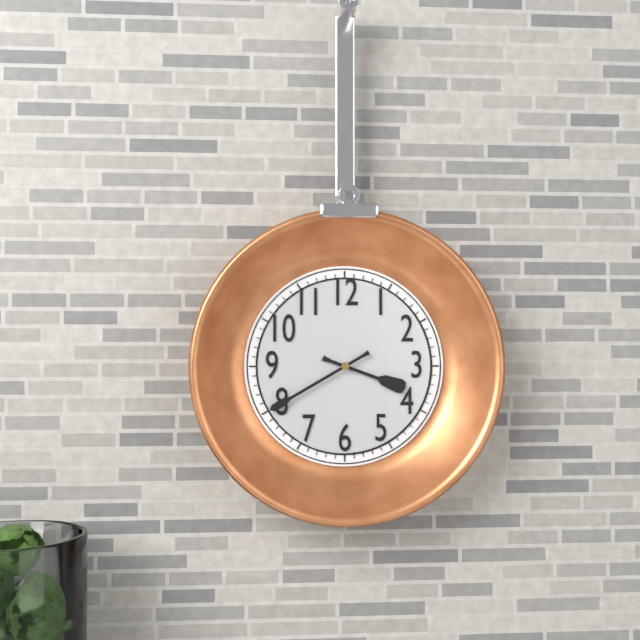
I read 3h40
